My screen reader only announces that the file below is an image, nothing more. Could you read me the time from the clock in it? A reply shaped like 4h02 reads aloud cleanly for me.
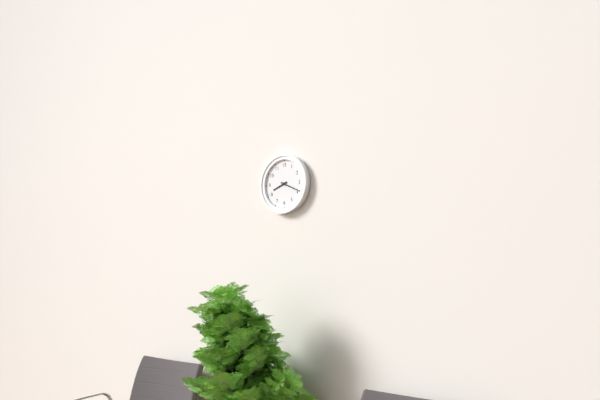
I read 8h19
